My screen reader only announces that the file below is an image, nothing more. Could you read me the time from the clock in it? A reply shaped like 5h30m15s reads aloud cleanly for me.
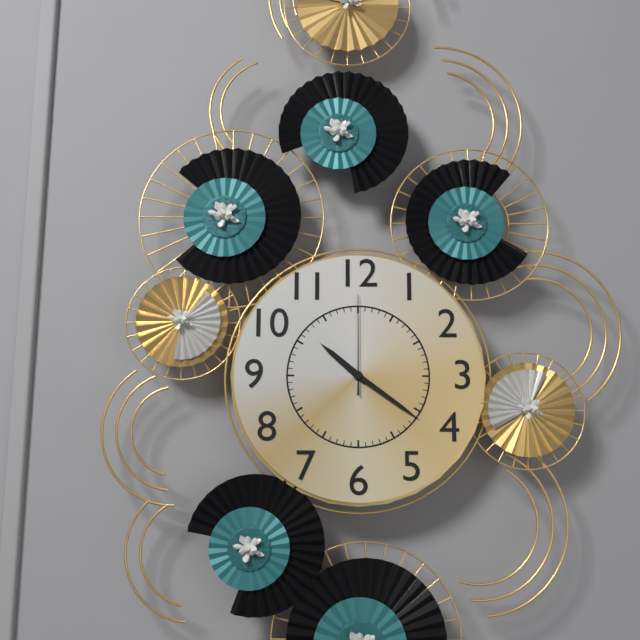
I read 10h21m00s
